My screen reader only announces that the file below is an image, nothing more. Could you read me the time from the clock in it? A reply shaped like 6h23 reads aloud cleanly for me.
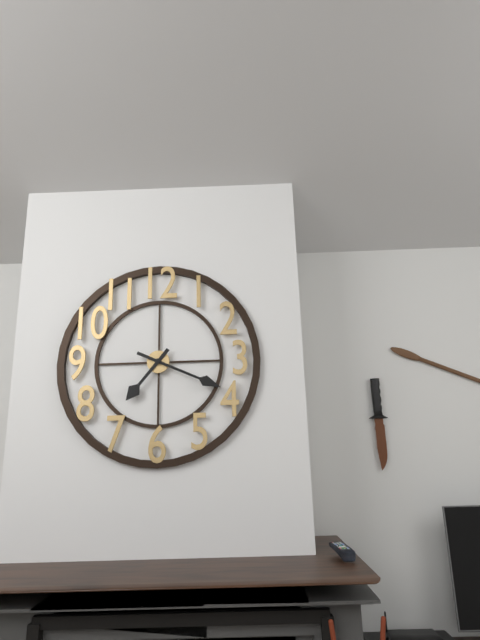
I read 7h19
